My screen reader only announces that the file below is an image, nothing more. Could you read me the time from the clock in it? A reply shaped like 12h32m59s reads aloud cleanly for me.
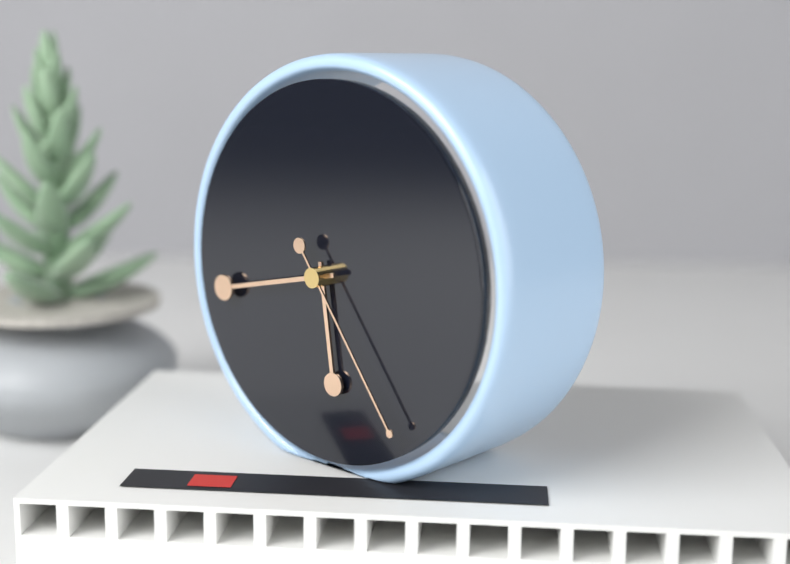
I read 5h43m24s
